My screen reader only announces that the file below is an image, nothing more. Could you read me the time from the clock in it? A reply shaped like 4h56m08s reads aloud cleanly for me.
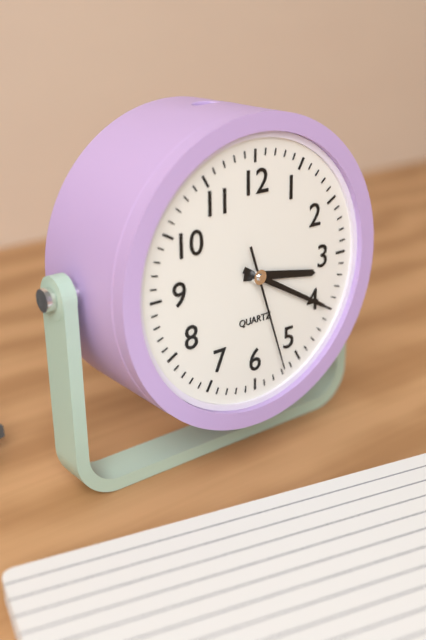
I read 3h20m27s
